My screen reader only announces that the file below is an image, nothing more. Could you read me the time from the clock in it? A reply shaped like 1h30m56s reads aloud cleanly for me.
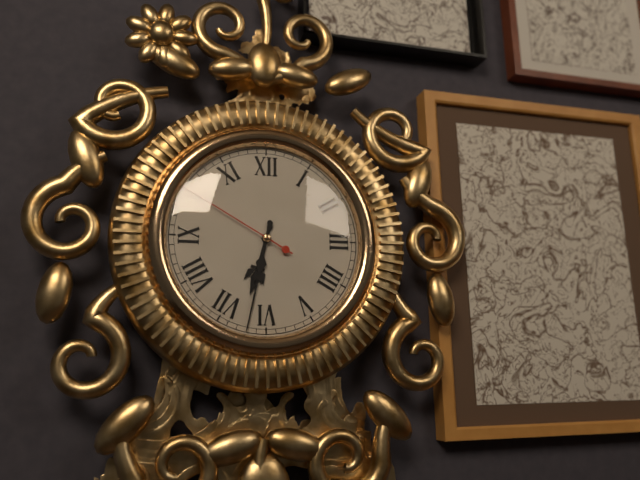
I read 6h32m50s
